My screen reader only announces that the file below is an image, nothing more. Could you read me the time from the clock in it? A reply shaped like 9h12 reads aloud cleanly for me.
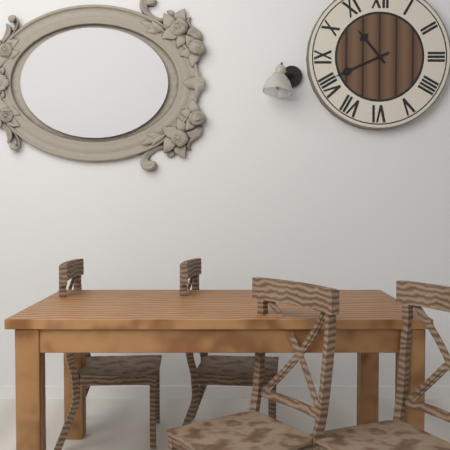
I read 10h41
